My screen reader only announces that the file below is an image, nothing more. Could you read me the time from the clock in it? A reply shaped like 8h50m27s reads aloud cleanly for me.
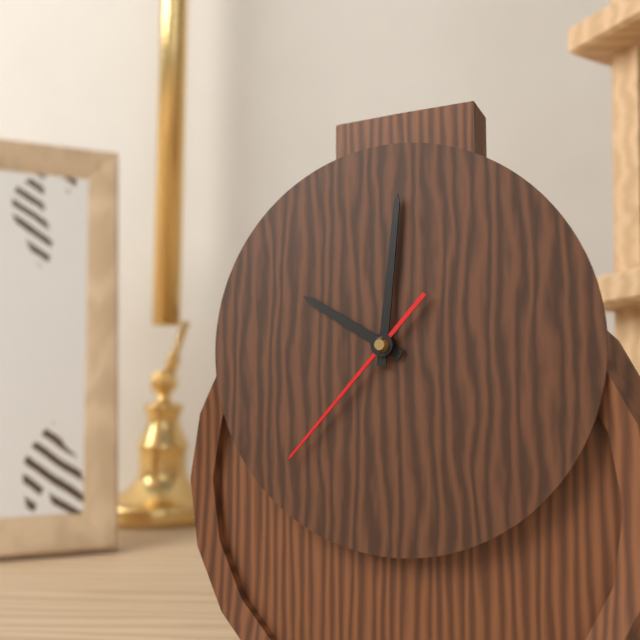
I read 10h01m37s
